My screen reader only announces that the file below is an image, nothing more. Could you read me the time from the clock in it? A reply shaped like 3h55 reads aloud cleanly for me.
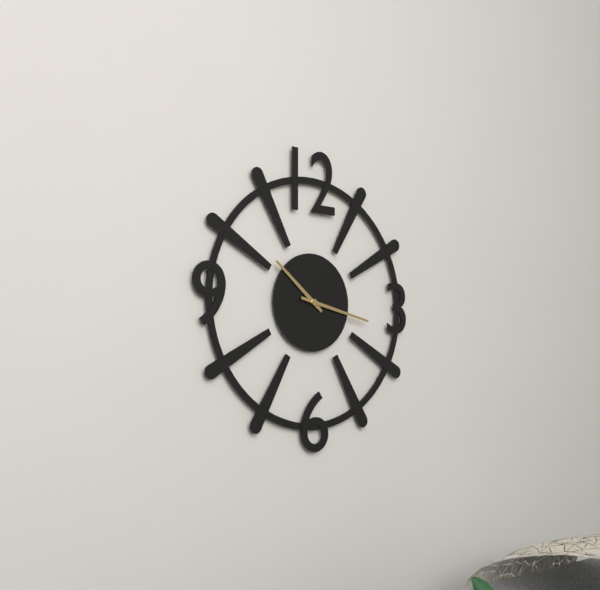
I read 10h17
